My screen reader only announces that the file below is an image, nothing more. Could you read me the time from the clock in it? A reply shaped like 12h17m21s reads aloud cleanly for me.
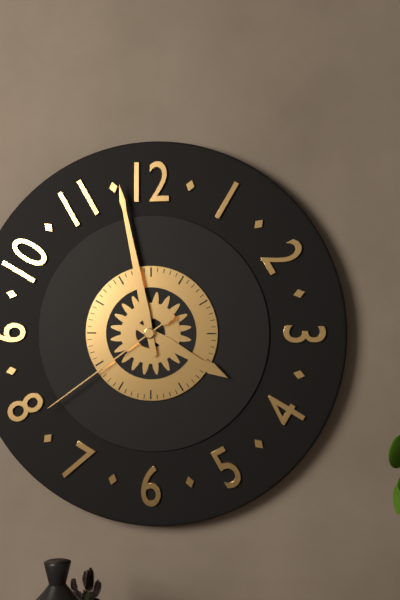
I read 3h58m39s
